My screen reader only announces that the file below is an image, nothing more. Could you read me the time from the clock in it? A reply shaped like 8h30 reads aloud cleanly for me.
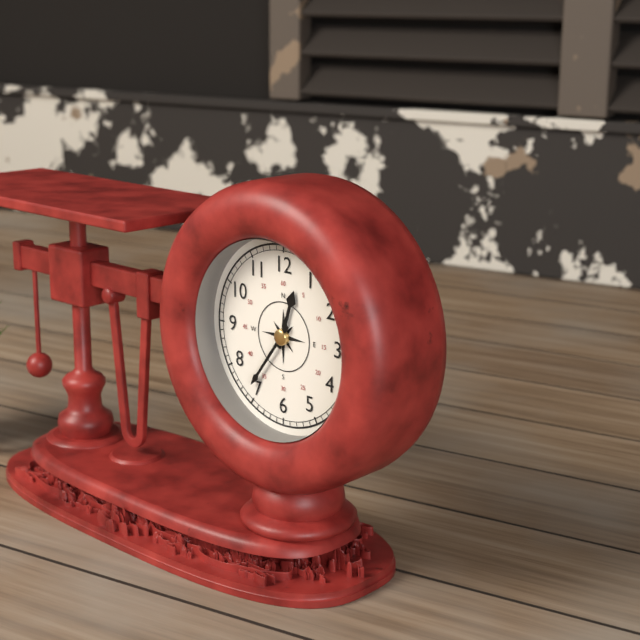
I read 12h36
